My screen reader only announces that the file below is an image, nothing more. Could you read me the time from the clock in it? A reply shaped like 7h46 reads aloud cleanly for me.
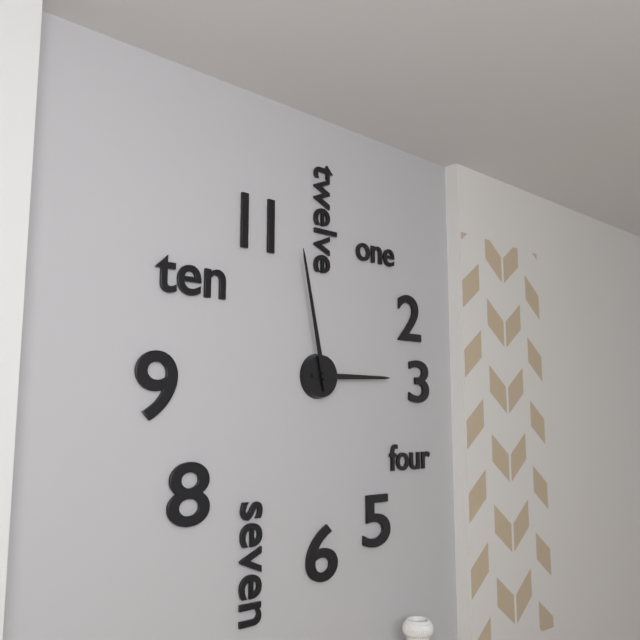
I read 2h58
